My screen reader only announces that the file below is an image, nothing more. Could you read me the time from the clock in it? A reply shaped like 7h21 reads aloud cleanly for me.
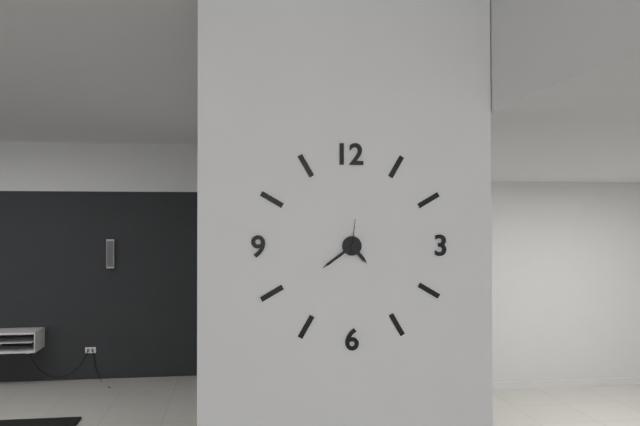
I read 4h39
